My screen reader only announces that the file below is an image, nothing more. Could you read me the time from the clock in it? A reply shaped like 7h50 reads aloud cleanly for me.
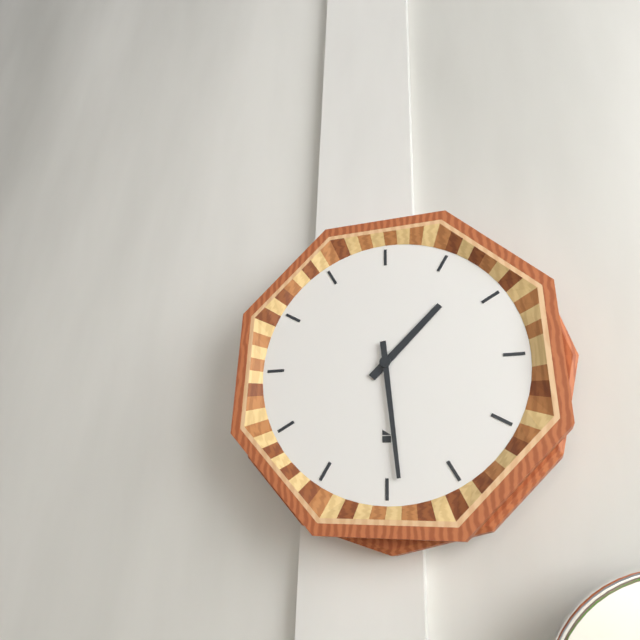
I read 1h29
